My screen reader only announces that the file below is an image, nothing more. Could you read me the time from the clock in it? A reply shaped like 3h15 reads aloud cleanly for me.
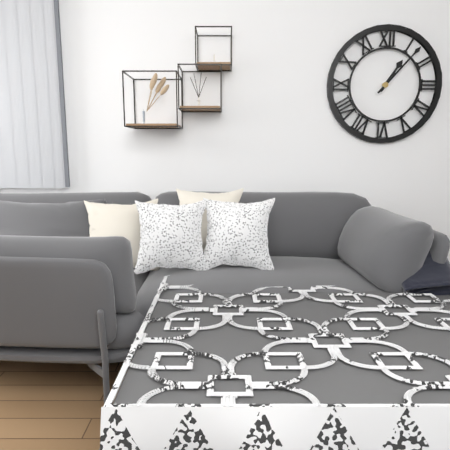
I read 1h07
